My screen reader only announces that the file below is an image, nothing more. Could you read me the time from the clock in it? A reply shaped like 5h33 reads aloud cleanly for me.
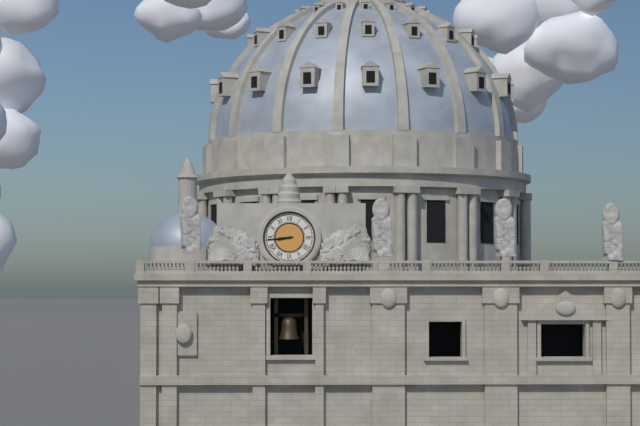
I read 8h44
